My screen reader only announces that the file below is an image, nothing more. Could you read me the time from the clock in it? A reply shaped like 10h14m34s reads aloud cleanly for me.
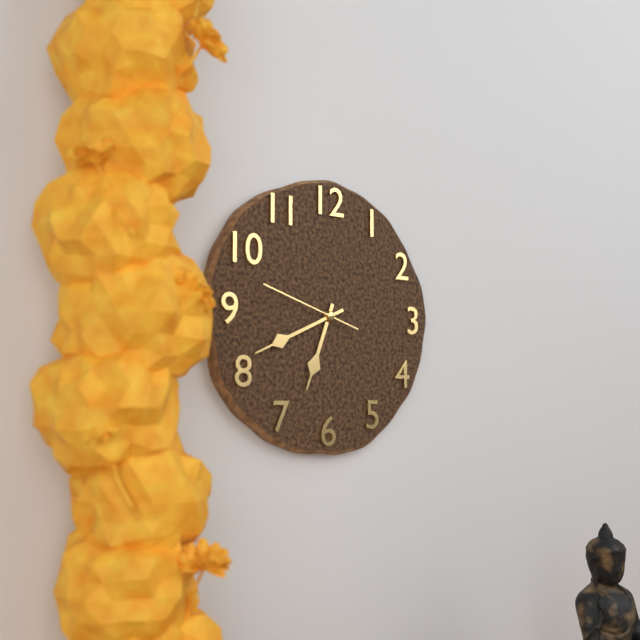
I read 6h41m48s
